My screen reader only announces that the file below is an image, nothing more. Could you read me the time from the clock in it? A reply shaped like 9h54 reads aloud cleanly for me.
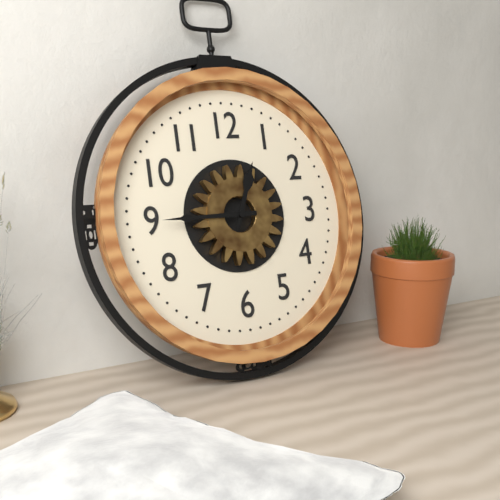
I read 12h45
